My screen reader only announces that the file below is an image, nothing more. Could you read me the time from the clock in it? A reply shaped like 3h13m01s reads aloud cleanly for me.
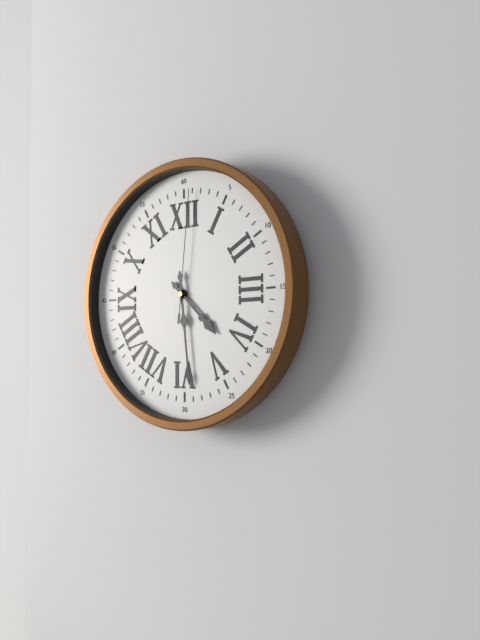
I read 4h29m01s
